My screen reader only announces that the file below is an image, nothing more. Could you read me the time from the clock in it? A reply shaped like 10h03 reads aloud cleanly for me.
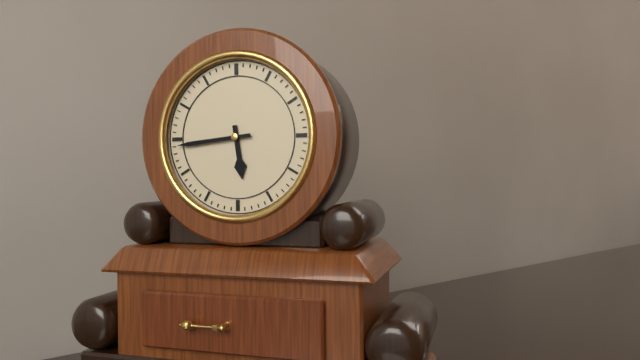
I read 5h44
